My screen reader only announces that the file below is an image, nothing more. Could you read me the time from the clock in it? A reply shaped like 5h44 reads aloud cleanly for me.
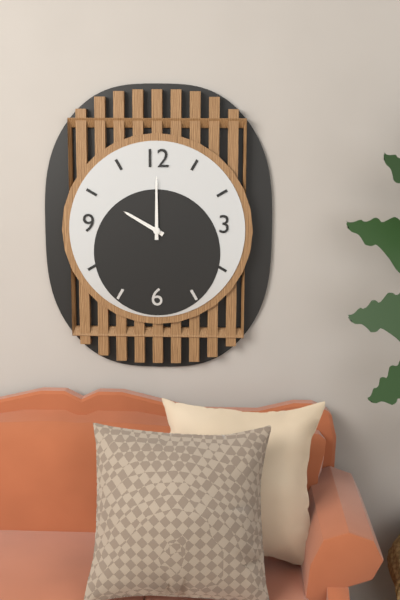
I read 10h00
